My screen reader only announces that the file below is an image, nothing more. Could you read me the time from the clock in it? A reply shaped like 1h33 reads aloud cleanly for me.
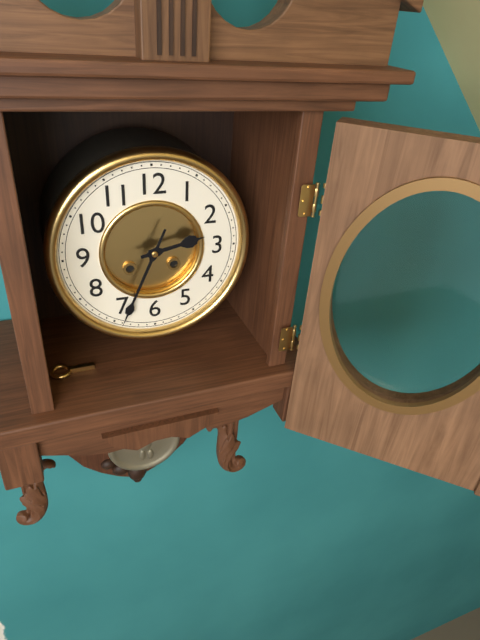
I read 2h34
